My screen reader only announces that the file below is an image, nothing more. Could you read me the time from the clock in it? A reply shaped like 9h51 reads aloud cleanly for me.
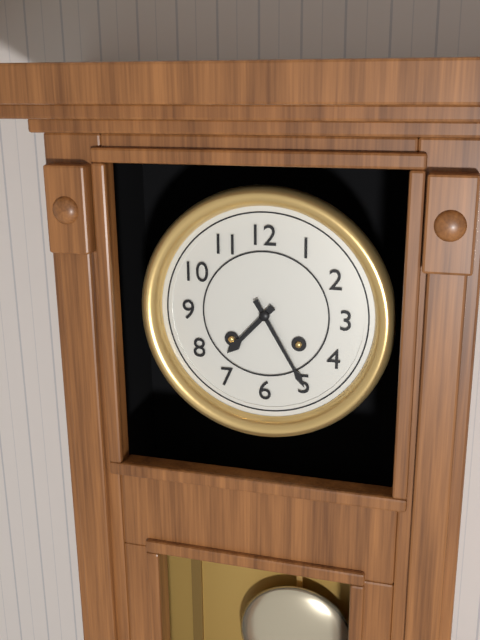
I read 7h25
